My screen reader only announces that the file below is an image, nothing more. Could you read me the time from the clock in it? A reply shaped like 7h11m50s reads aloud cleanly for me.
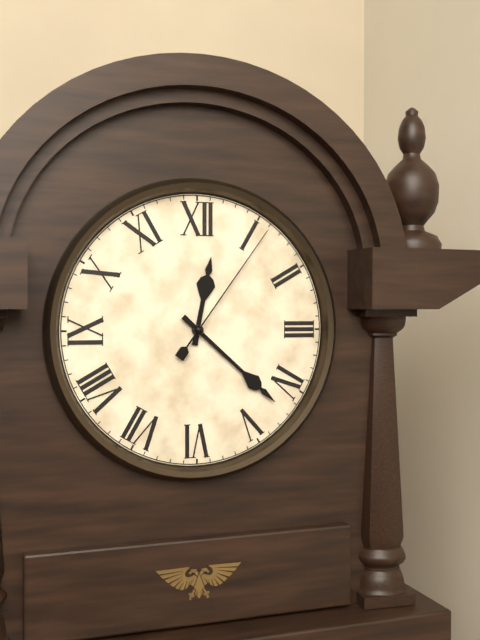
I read 12h22m06s
